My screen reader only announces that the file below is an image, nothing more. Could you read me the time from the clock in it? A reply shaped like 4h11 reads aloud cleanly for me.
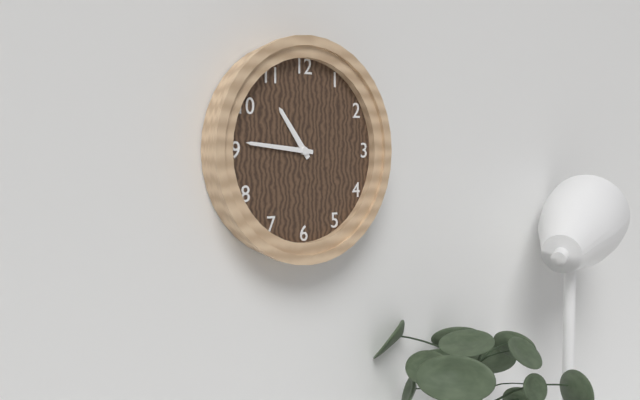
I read 10h46
